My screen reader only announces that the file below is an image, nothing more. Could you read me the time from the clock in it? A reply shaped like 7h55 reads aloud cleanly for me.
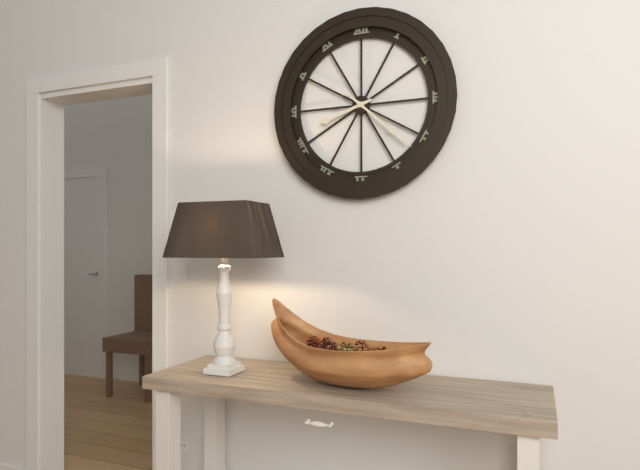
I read 8h22
